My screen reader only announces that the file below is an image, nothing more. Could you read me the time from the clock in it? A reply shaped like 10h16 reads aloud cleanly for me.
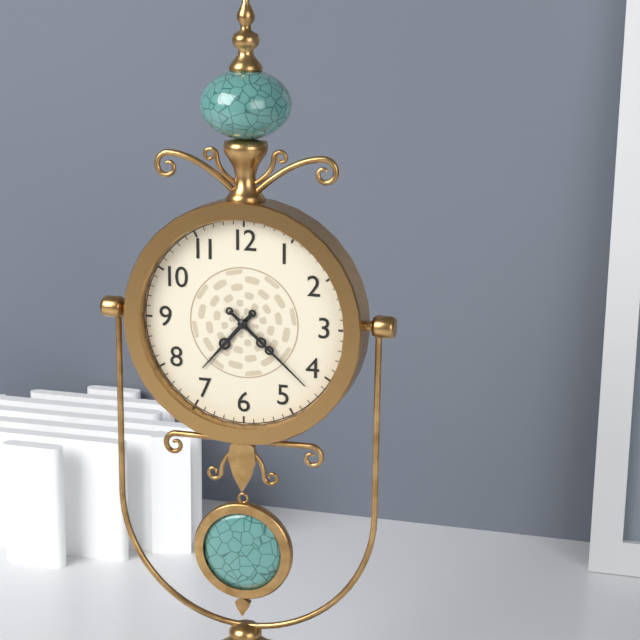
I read 7h22
